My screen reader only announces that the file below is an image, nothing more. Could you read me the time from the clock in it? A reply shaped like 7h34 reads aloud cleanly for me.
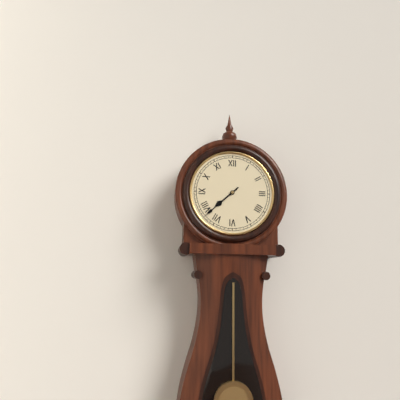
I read 7h38
